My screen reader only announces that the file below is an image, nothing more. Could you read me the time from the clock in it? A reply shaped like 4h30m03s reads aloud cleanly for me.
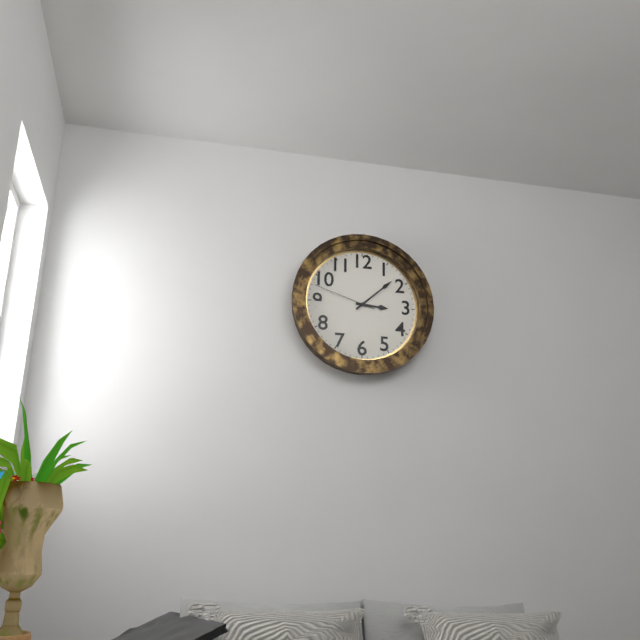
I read 3h08m48s
